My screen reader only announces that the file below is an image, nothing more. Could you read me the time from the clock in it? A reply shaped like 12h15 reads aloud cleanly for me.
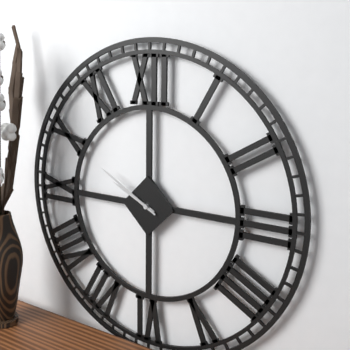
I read 9h50
